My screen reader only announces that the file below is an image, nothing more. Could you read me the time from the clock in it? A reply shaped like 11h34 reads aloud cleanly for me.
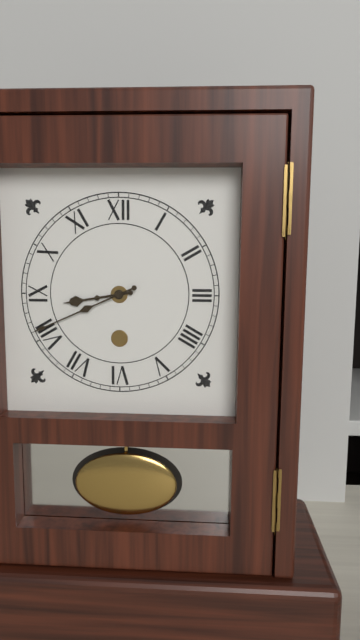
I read 8h41
